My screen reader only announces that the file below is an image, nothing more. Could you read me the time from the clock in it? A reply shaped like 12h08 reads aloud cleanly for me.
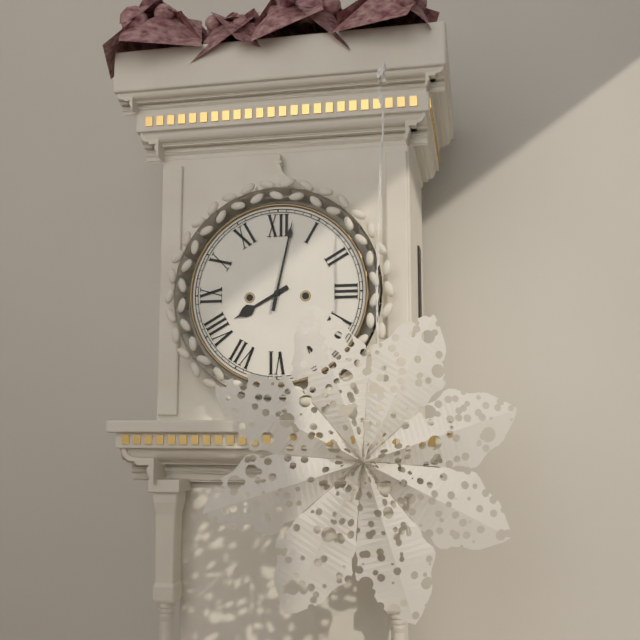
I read 8h02
